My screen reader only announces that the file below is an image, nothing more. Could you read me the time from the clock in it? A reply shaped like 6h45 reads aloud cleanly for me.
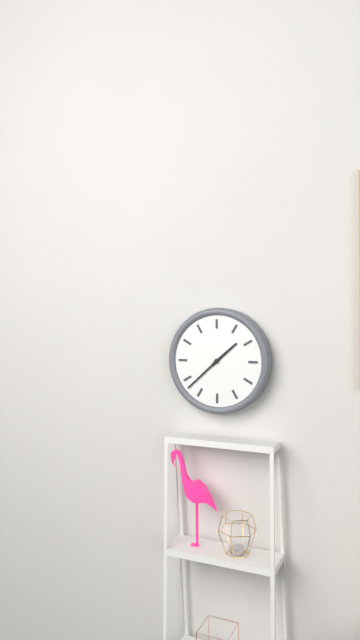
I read 1h38
